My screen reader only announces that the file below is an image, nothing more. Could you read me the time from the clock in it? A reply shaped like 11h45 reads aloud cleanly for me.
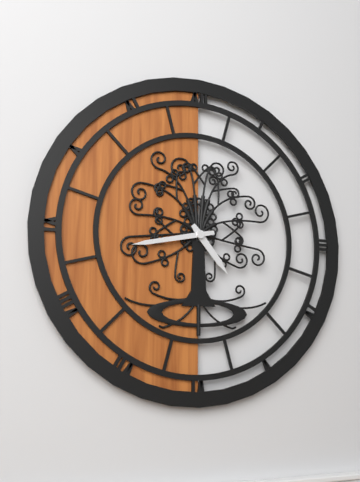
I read 4h43
